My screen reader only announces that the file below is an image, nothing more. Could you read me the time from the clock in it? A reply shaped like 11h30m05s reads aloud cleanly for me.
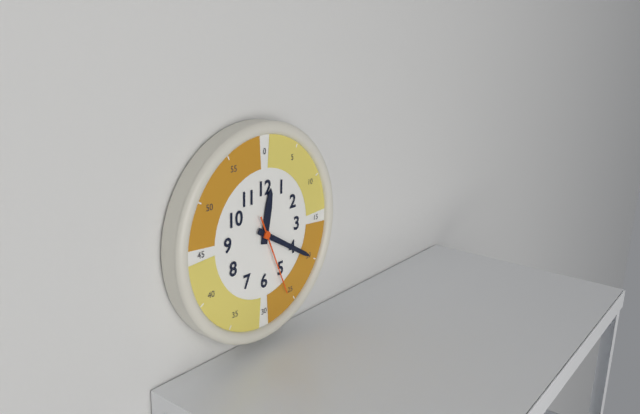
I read 12h20m26s
